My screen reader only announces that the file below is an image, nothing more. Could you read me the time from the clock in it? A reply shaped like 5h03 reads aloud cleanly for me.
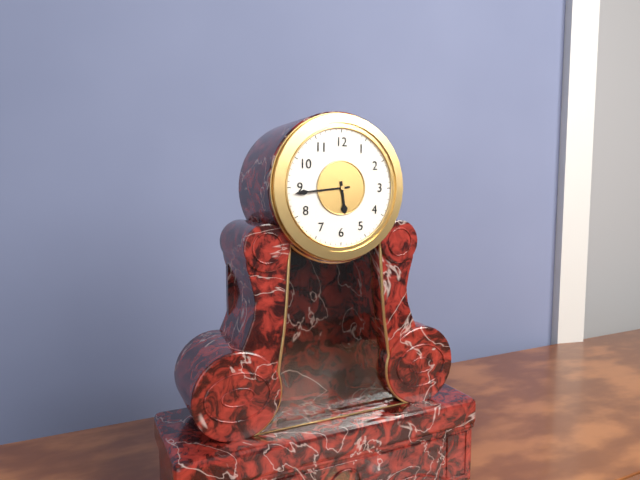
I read 5h44
